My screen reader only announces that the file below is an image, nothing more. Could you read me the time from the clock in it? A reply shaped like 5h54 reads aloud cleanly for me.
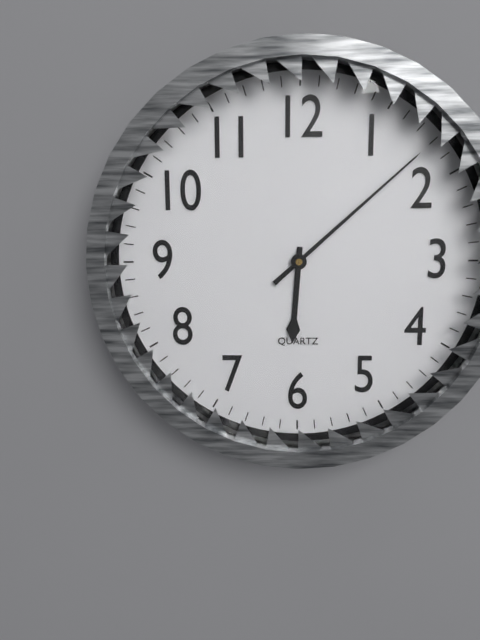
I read 6h08
